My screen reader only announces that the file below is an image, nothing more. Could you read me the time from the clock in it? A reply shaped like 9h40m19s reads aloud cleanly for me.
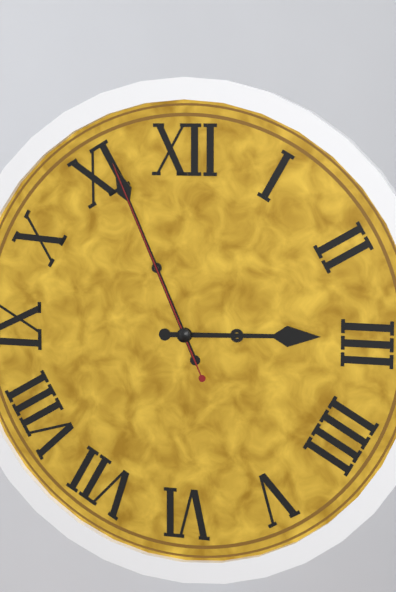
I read 2h56m56s
